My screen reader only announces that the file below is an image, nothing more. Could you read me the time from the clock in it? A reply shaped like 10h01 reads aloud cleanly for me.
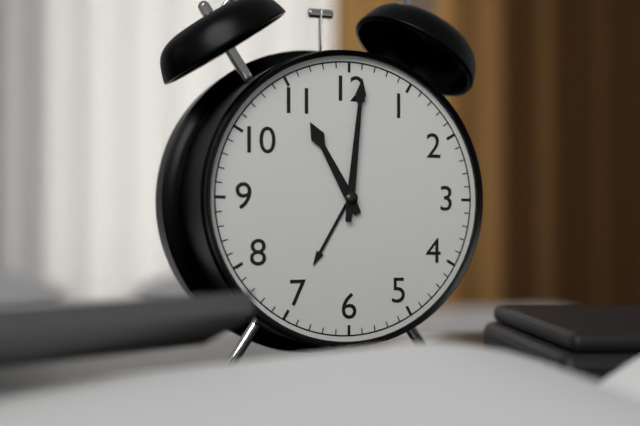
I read 11h01
